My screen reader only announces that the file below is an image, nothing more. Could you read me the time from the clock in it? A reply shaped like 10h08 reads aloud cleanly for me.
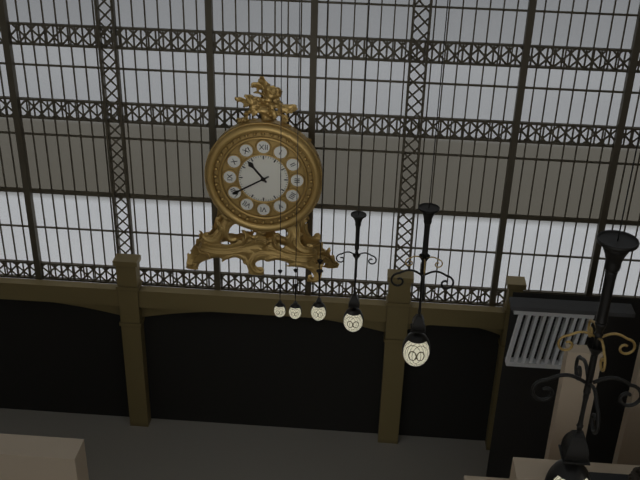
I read 10h40
